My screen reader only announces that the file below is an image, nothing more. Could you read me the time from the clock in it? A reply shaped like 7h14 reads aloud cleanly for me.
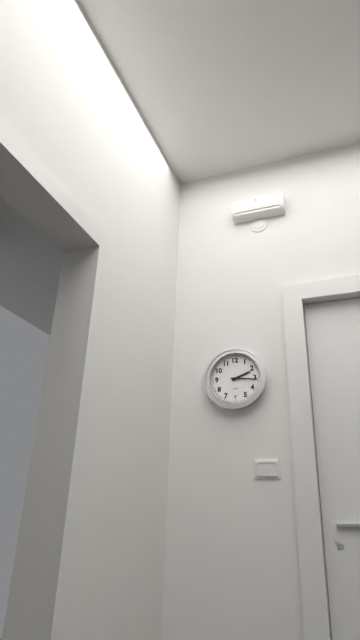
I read 2h16
